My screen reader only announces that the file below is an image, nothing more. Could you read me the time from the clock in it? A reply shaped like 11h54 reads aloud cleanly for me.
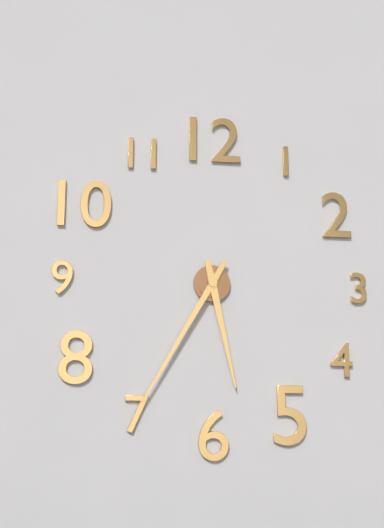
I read 5h35
